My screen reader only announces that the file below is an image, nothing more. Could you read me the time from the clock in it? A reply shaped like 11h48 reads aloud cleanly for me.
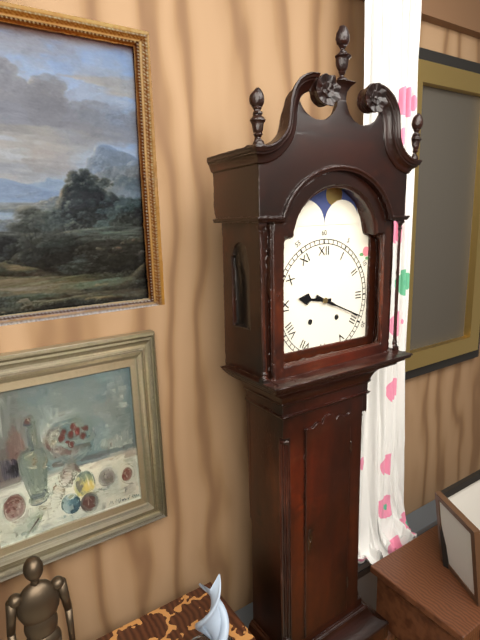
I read 9h19
